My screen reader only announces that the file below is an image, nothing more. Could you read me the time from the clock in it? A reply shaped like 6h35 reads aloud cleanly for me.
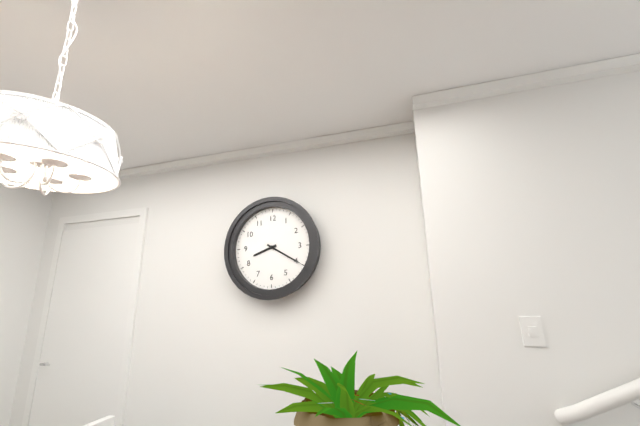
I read 8h20
